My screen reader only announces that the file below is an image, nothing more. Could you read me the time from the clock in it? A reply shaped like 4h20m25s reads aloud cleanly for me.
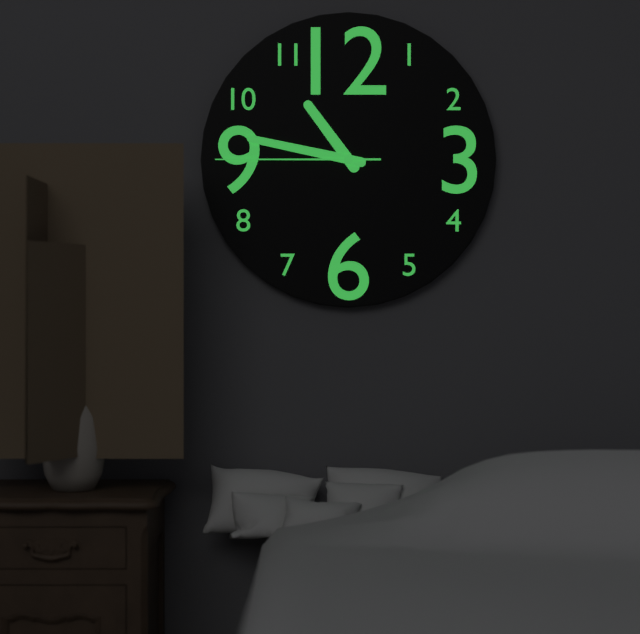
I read 10h47m45s
